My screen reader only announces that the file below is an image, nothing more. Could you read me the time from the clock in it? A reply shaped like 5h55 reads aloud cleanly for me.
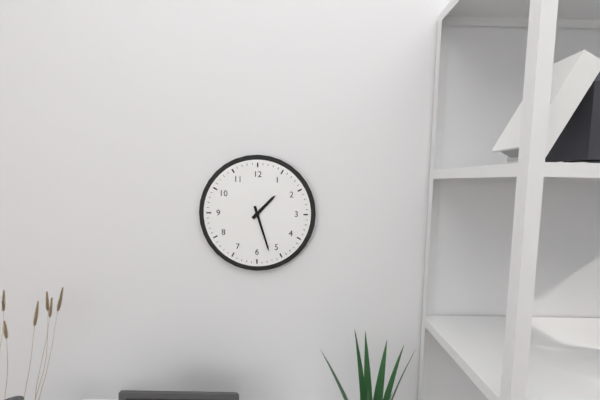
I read 1h27
